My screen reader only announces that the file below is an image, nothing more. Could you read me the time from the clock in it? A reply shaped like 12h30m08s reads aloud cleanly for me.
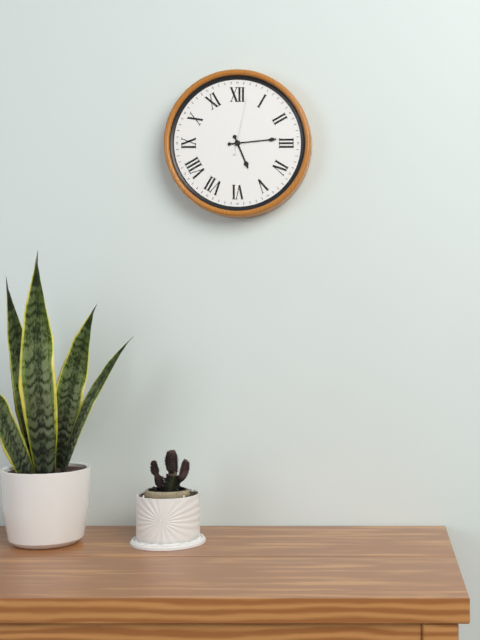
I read 5h14m02s
